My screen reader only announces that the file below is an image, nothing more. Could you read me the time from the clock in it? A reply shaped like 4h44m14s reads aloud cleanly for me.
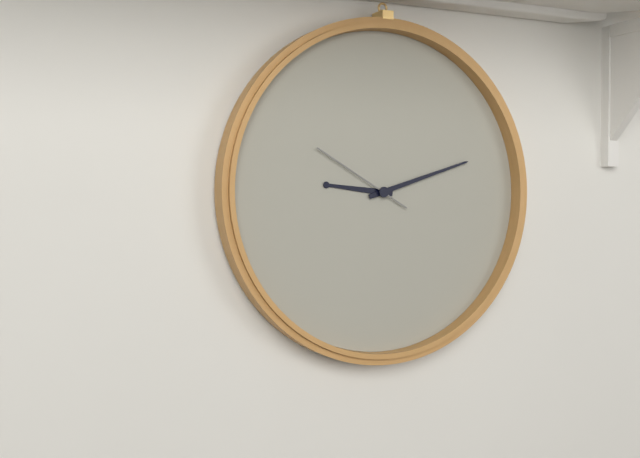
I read 9h12m50s
